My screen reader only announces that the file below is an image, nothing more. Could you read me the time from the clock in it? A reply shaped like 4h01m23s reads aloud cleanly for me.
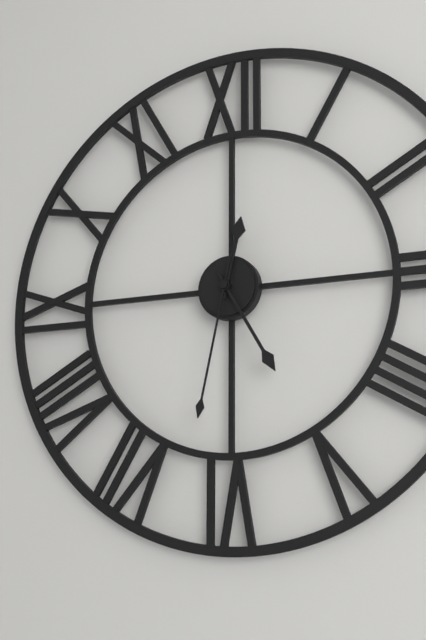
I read 12h25m32s
